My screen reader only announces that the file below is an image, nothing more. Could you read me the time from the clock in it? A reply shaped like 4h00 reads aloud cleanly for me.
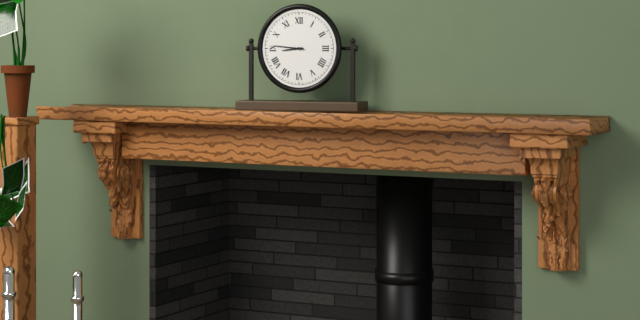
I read 8h46
